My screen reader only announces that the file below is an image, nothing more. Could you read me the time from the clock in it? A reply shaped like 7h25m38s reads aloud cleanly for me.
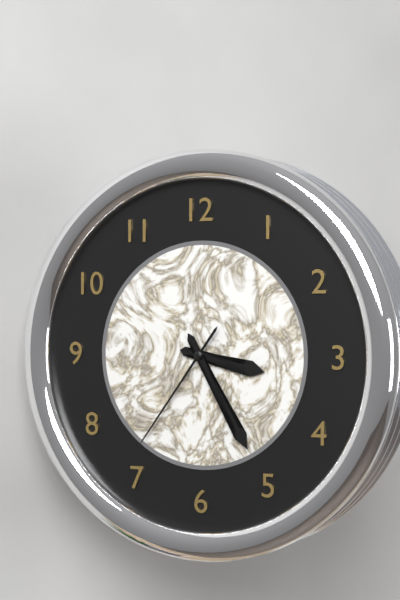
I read 3h25m36s
